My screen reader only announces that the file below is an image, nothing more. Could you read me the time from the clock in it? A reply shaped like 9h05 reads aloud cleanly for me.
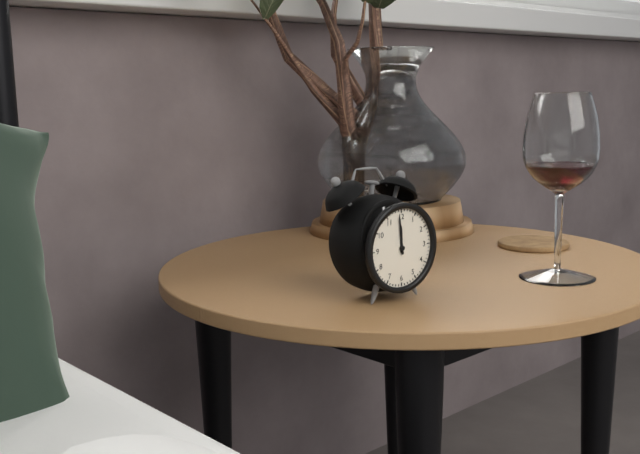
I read 11h59
